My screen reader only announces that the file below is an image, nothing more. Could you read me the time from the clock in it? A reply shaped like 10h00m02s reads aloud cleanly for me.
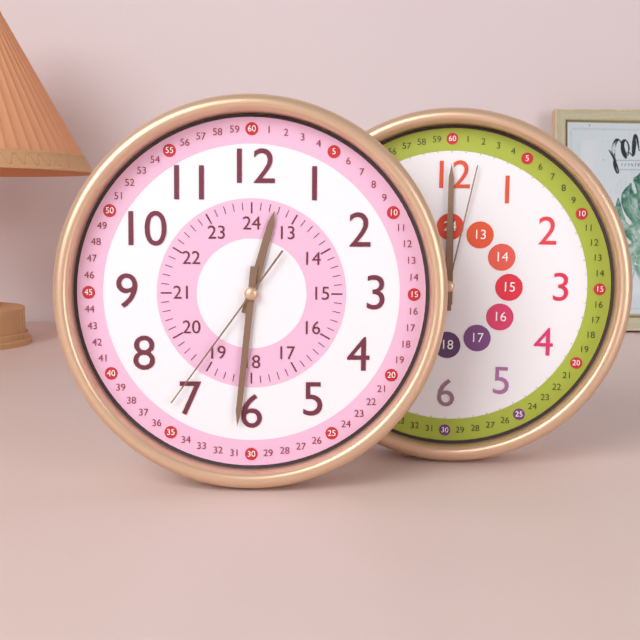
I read 12h31m36s
